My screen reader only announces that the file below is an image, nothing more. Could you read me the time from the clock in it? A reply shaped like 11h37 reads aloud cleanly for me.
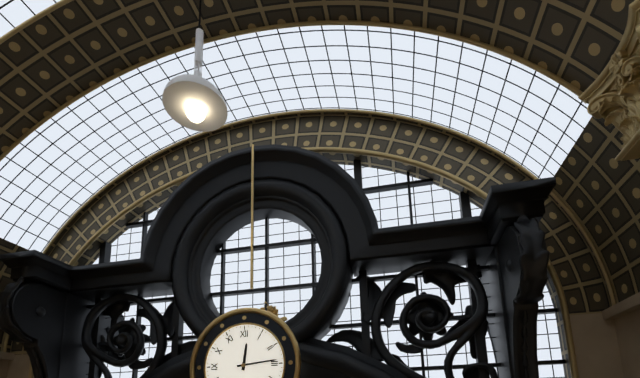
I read 12h14
